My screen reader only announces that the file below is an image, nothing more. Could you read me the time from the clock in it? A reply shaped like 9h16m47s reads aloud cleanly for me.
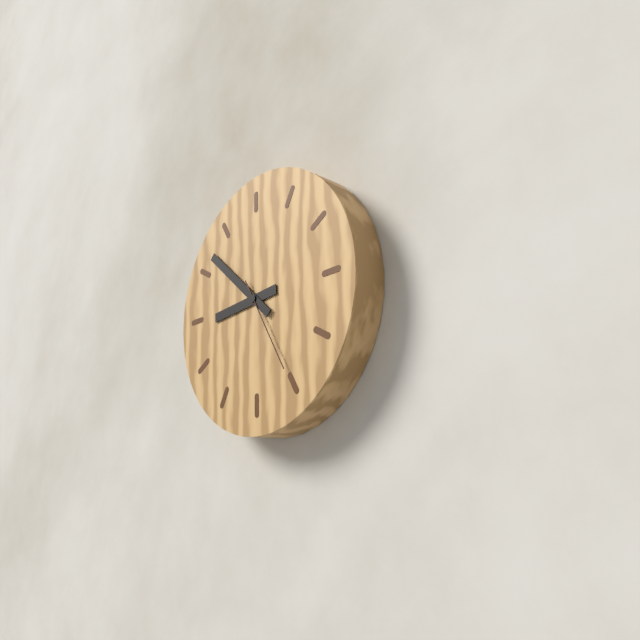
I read 8h52m25s
